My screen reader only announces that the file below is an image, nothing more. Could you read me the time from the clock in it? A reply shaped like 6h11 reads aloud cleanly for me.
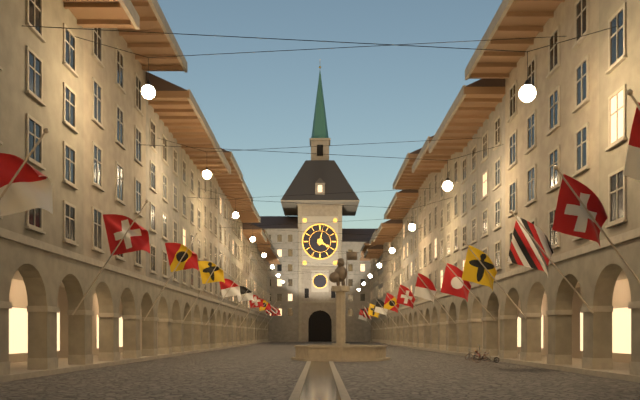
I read 4h02
